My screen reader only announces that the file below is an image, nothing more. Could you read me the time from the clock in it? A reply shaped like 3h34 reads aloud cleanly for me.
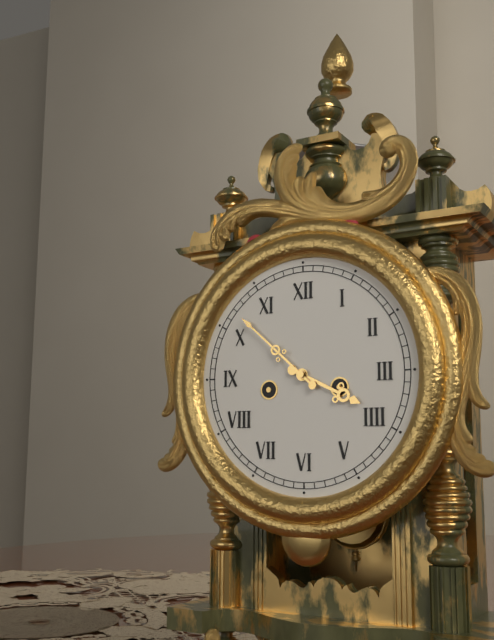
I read 3h52
